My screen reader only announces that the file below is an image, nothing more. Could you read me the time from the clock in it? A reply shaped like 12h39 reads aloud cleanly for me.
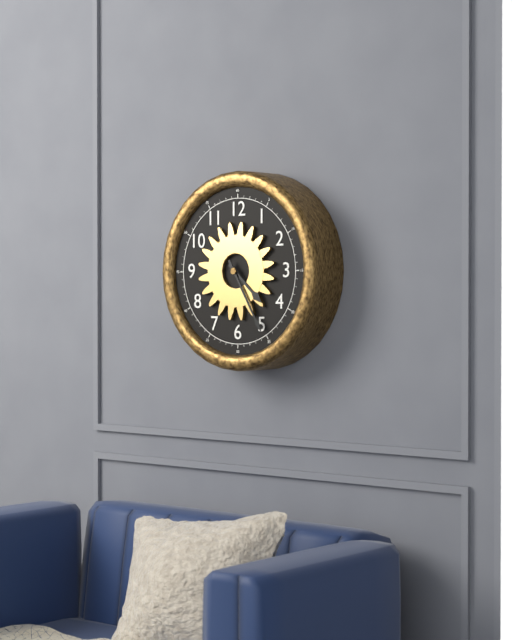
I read 4h25
